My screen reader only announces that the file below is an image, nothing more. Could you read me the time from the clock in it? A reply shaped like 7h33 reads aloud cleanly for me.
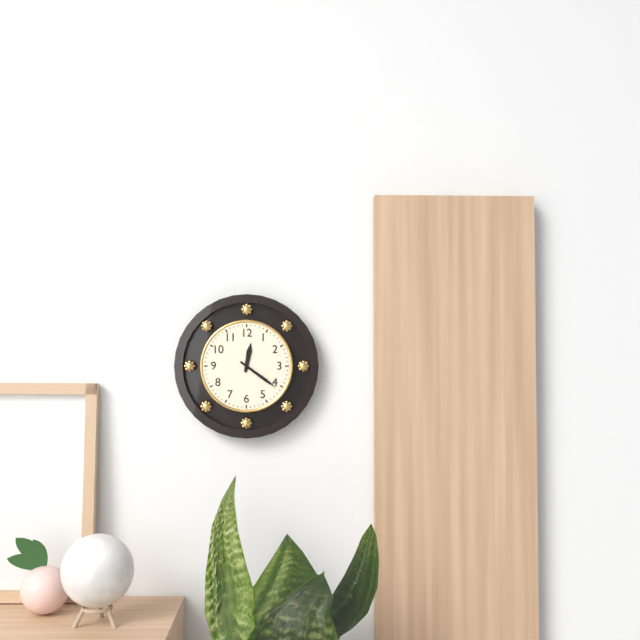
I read 12h21
